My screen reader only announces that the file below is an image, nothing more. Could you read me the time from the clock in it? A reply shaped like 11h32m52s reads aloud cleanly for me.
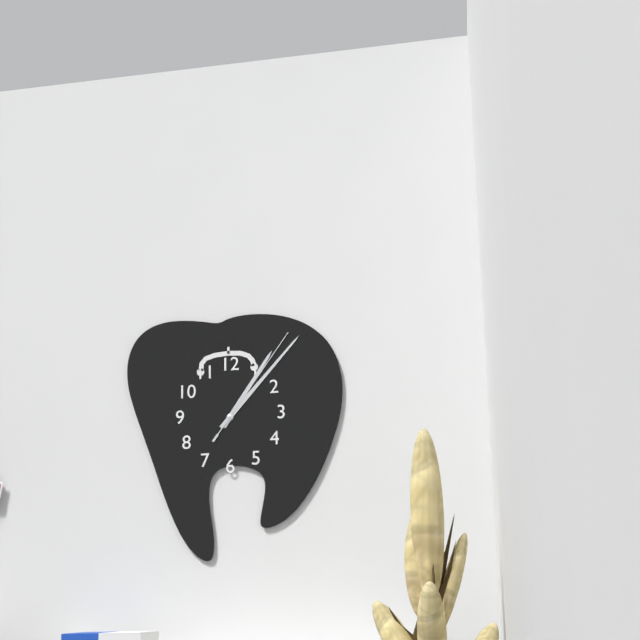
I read 1h07m06s
